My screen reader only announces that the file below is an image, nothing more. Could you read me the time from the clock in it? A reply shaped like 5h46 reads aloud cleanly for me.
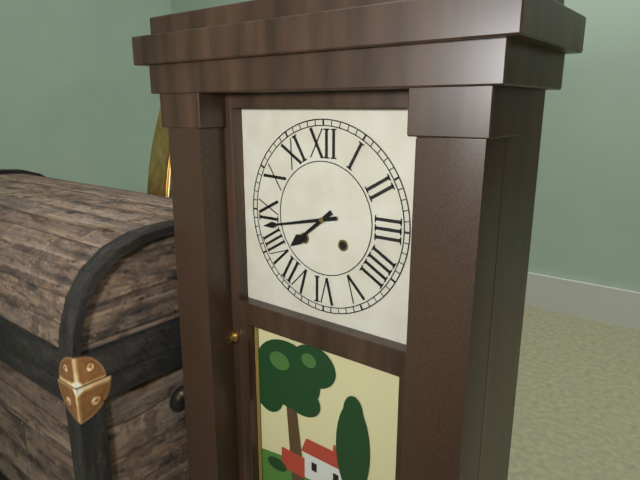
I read 7h43
